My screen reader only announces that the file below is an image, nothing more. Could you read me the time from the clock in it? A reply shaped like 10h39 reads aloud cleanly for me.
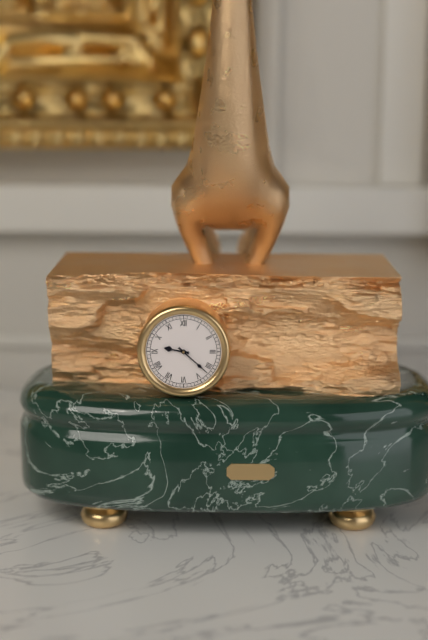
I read 9h22
